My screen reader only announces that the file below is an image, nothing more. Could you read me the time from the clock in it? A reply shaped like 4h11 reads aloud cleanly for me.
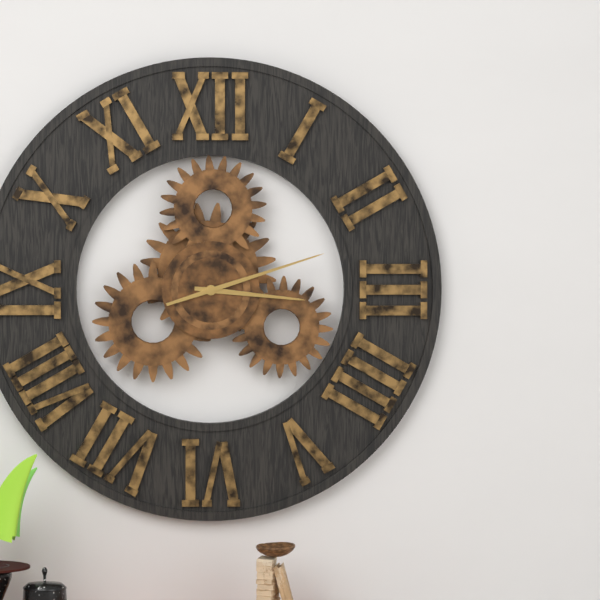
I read 3h12
